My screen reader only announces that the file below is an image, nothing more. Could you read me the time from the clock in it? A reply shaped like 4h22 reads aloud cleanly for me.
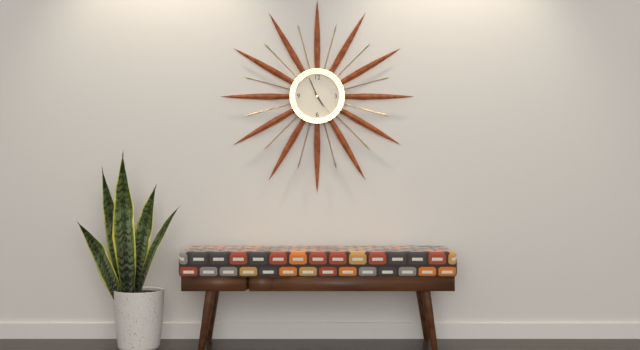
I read 4h56
